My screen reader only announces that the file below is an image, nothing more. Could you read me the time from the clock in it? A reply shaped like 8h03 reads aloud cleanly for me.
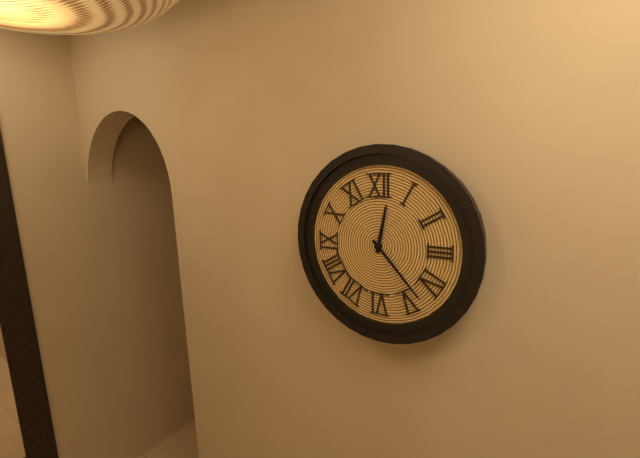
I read 12h23
